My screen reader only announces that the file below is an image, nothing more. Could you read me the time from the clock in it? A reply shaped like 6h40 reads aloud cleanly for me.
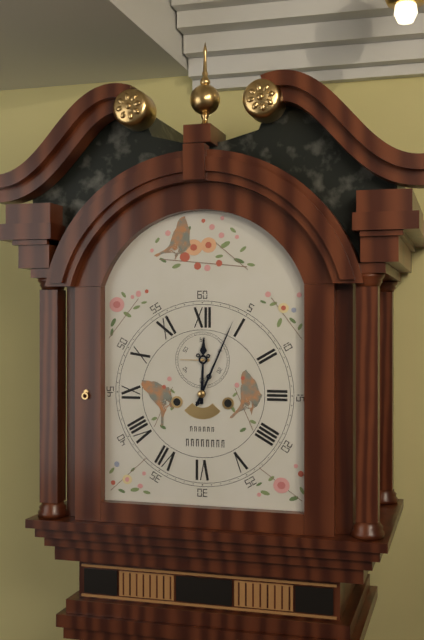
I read 12h04
